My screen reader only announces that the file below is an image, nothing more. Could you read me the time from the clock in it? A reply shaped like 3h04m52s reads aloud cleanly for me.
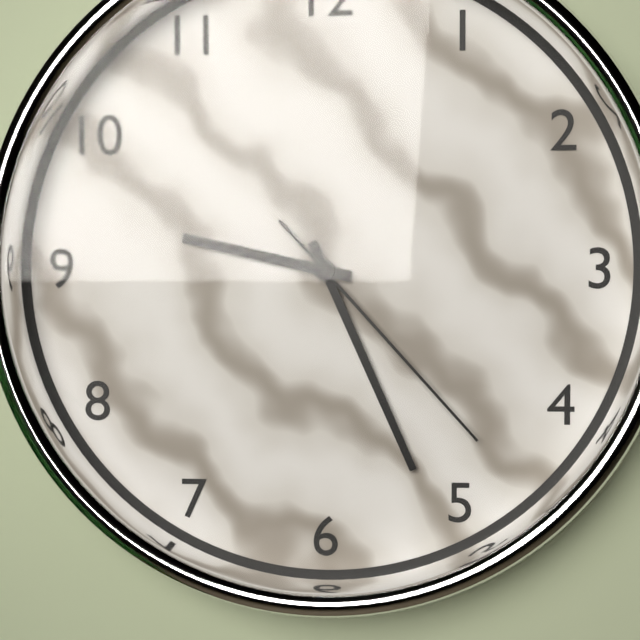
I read 9h26m23s
